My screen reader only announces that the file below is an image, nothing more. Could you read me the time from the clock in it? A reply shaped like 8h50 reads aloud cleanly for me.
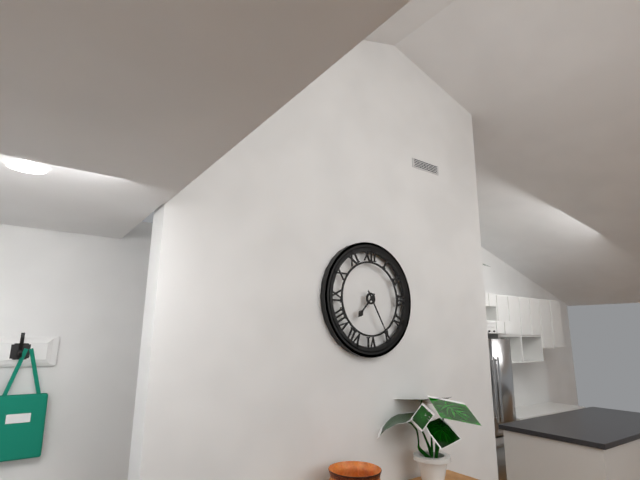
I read 7h25
